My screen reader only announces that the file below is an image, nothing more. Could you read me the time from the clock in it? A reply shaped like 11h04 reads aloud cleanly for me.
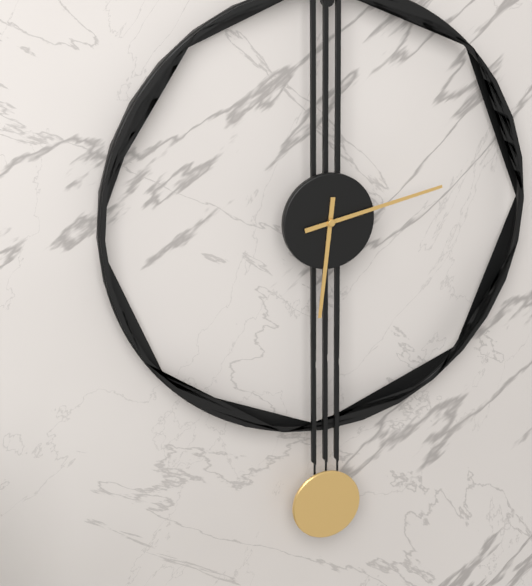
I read 6h13
